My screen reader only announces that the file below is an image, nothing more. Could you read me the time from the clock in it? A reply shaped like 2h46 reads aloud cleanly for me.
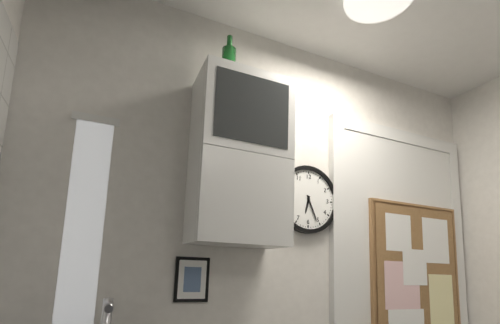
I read 6h26
